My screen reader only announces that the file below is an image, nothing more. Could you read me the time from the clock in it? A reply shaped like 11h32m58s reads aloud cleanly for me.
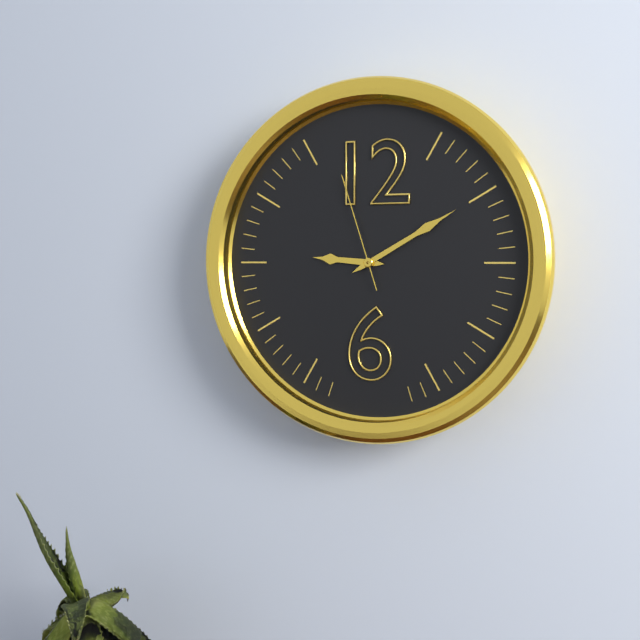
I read 9h10m57s
